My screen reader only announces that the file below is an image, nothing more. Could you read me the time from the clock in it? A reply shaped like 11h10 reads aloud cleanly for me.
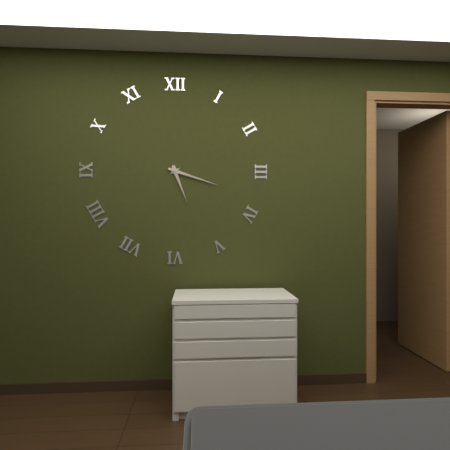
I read 5h18
